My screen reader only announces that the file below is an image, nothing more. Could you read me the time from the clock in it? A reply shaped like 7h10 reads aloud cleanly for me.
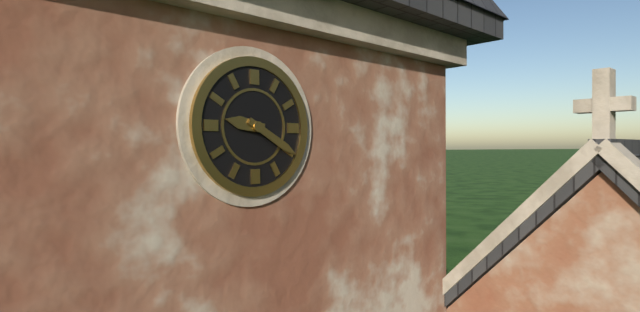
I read 9h20
